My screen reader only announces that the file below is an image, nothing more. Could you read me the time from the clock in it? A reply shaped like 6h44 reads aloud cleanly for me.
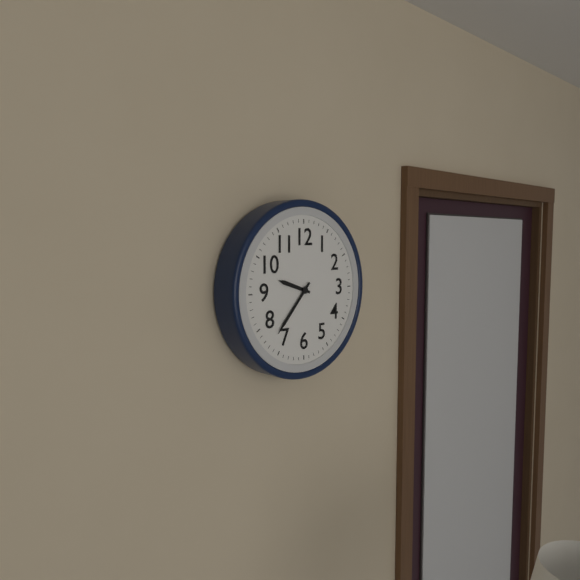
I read 9h37
